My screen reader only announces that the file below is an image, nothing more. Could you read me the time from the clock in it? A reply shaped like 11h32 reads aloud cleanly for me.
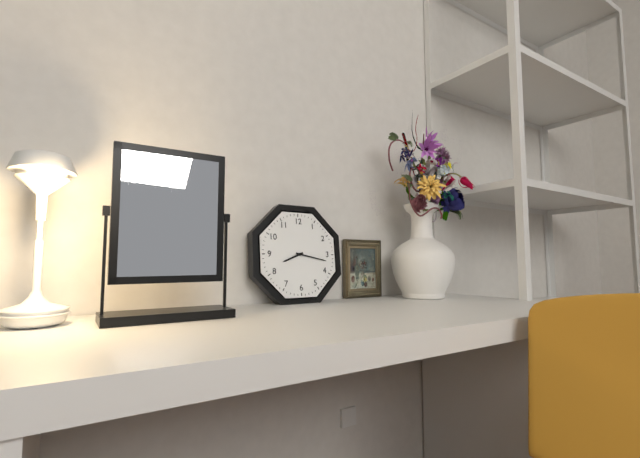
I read 8h17
